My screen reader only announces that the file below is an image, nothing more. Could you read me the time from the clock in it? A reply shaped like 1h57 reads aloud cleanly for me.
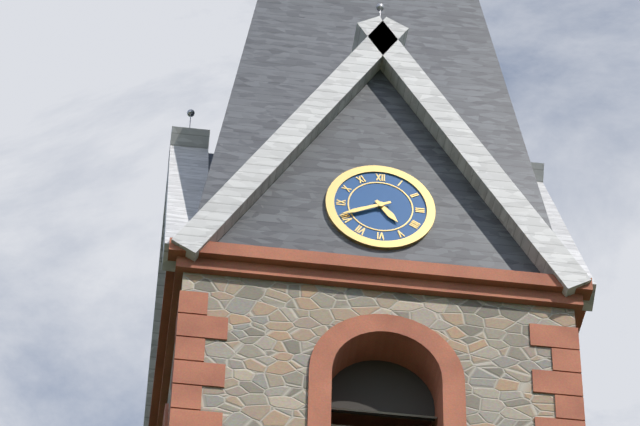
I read 4h41
